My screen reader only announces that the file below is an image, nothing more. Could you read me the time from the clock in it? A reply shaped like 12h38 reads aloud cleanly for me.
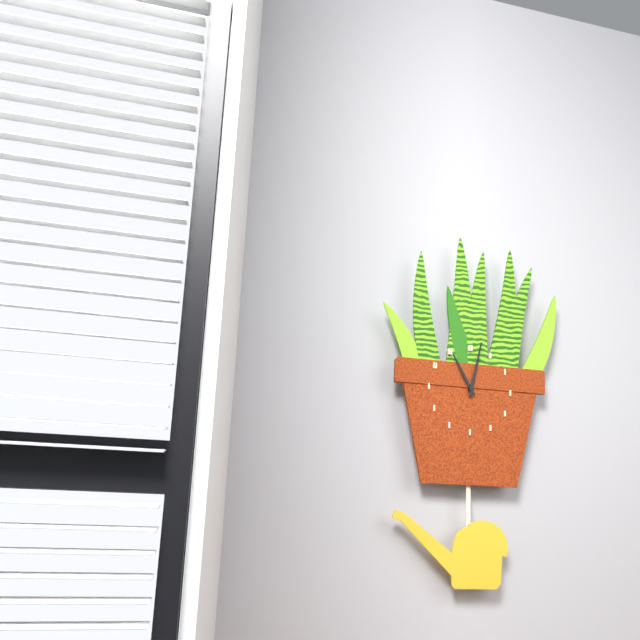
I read 11h02
